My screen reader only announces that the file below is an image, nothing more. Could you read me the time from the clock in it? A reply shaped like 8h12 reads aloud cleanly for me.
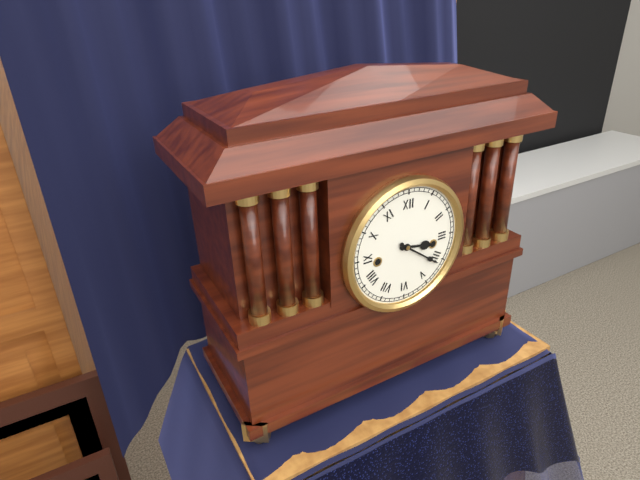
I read 3h21
